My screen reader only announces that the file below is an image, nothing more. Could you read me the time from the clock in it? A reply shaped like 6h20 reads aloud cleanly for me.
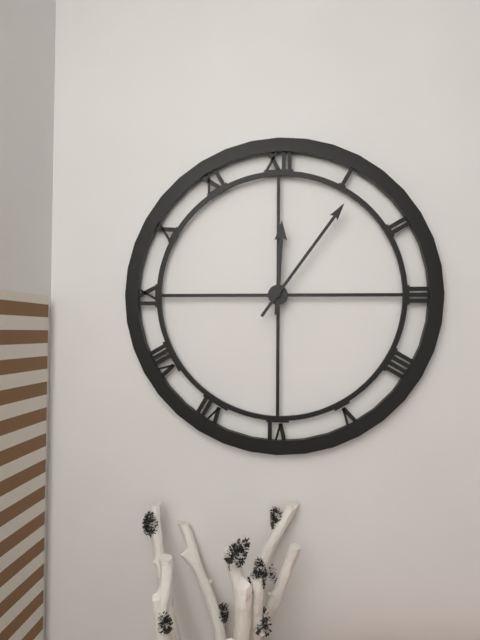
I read 12h06
